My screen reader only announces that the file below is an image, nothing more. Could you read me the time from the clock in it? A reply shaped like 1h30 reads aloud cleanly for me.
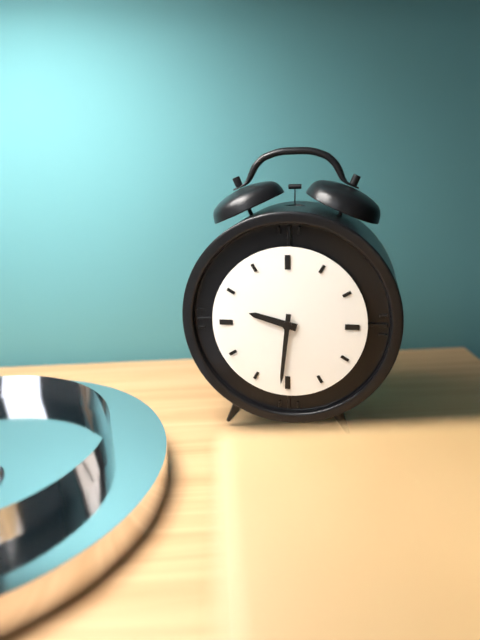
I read 9h31
